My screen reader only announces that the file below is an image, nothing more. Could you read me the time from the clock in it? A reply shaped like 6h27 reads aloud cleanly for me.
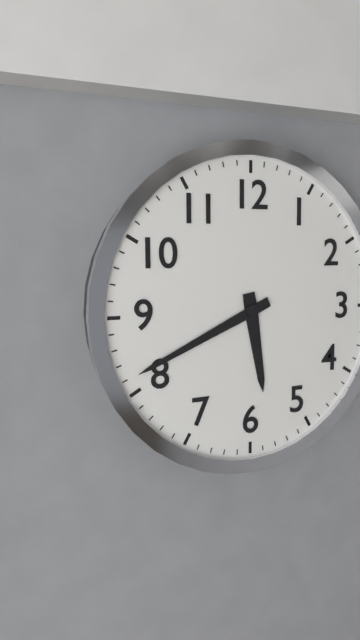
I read 5h41
